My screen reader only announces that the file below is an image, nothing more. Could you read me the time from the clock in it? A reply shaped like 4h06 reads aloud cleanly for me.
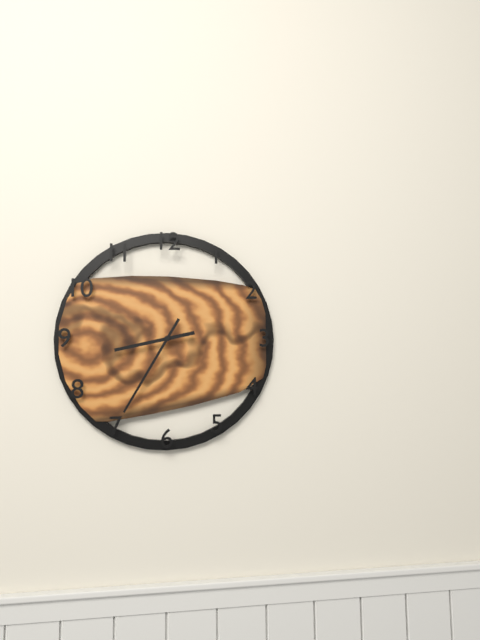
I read 8h35
